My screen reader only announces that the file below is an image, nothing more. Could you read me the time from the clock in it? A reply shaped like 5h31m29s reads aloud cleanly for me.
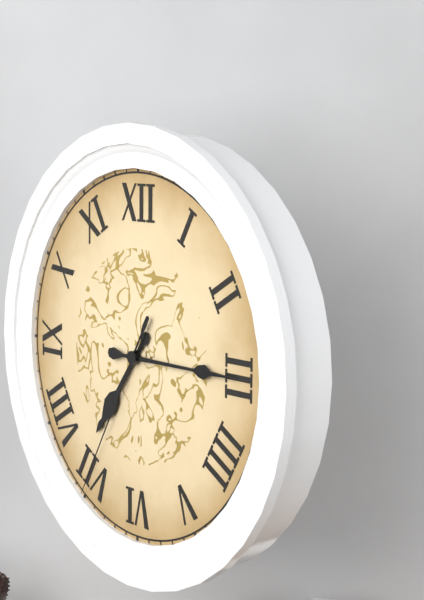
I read 7h15m35s
